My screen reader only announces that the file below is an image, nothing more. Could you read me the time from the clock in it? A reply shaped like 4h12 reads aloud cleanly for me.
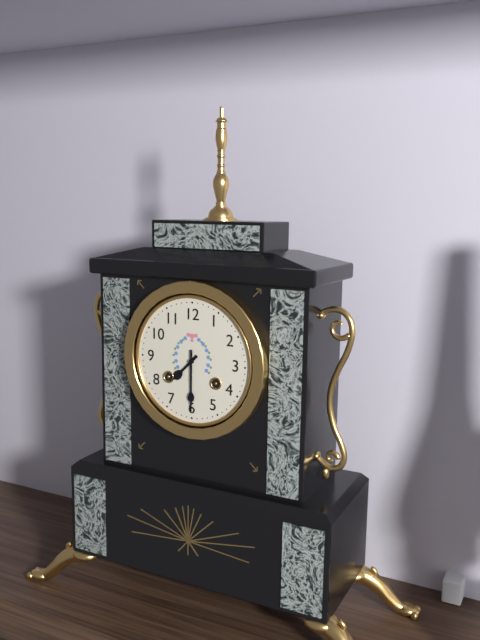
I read 7h30
